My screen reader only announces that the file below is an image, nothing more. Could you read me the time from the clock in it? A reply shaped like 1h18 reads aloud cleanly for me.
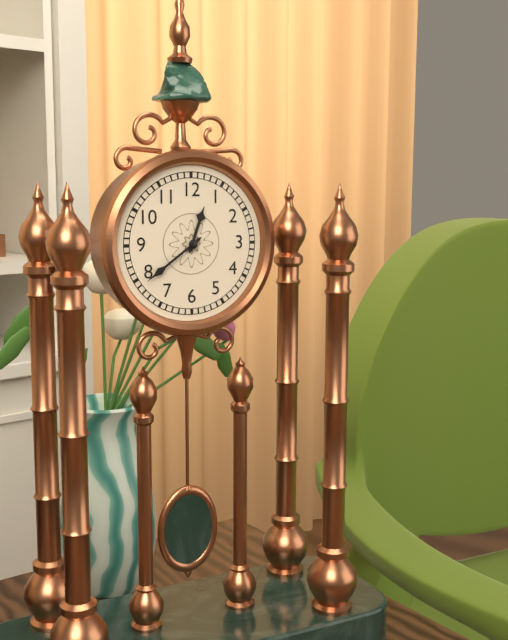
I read 12h39
